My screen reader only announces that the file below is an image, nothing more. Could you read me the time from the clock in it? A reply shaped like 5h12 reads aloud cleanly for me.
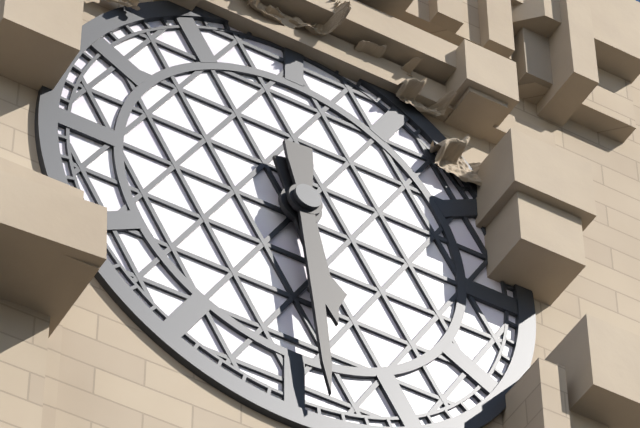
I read 5h29
